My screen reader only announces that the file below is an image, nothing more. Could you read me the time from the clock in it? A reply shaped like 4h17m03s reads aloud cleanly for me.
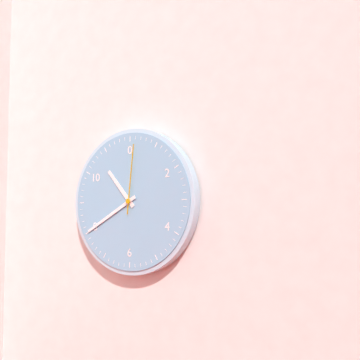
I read 10h40m01s
